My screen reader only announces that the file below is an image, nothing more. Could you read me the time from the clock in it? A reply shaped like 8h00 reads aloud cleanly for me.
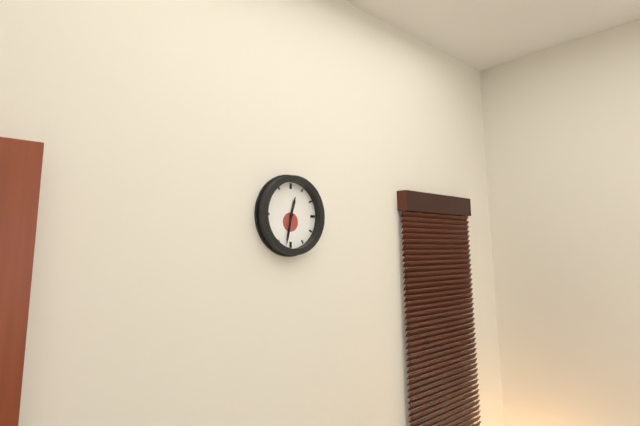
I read 12h32
